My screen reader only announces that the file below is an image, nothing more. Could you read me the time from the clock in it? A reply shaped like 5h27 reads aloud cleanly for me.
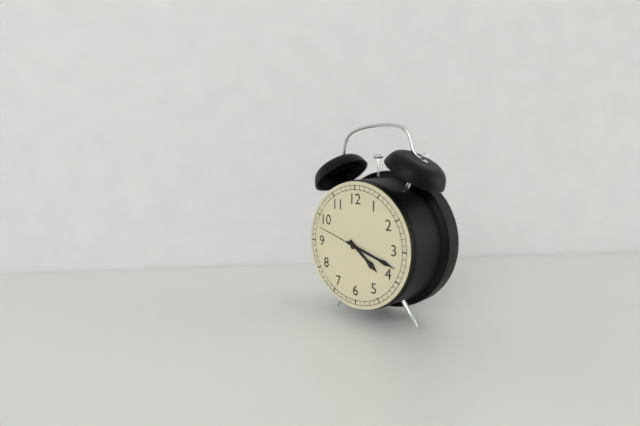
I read 4h18
